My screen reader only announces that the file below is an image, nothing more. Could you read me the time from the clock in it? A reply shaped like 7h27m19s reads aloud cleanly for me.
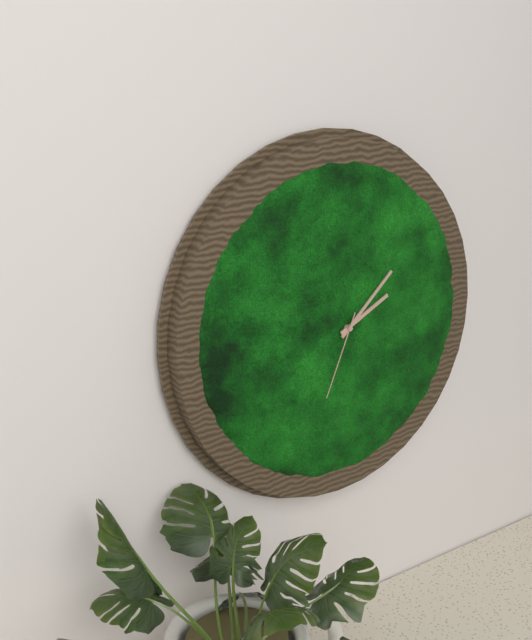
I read 2h08m34s
